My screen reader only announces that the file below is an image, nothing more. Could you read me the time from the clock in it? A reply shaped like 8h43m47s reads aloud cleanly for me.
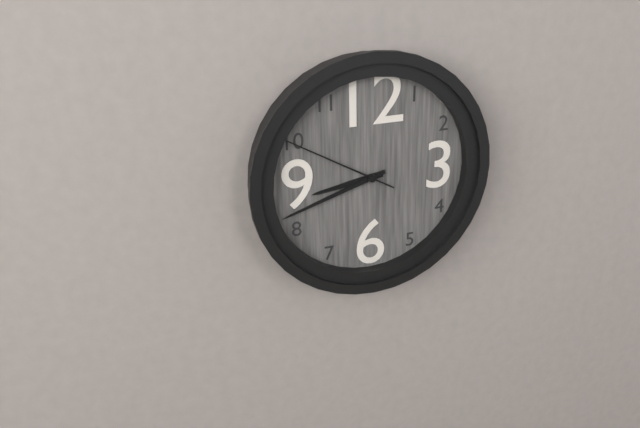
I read 8h42m50s
